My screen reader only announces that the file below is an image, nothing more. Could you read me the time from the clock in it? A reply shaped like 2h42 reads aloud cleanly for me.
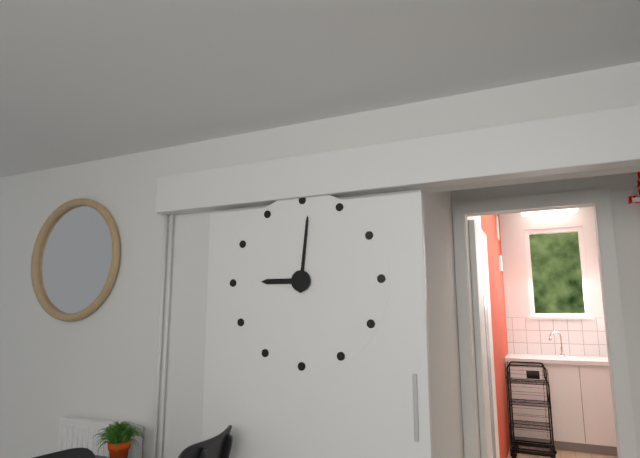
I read 9h01
